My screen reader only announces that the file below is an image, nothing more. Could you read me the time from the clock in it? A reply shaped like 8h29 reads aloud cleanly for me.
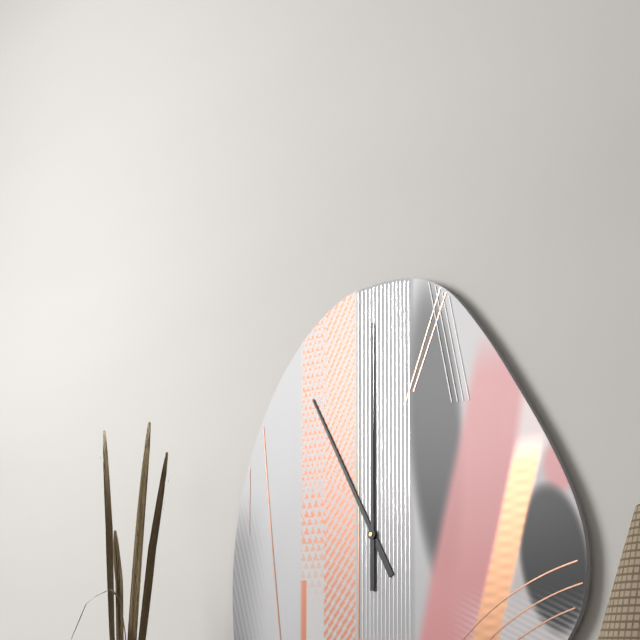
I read 11h00
